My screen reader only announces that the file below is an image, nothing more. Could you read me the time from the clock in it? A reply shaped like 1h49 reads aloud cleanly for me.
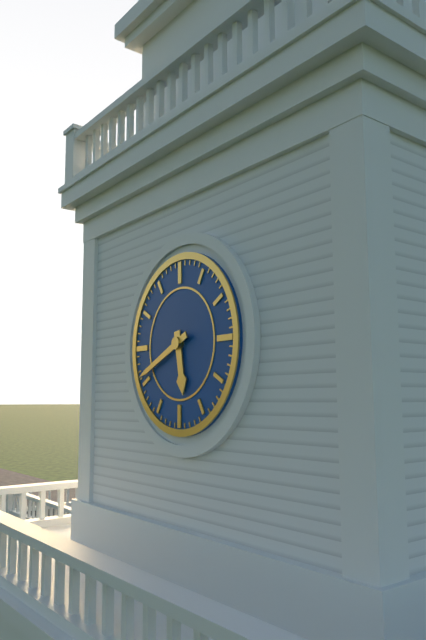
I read 5h41
